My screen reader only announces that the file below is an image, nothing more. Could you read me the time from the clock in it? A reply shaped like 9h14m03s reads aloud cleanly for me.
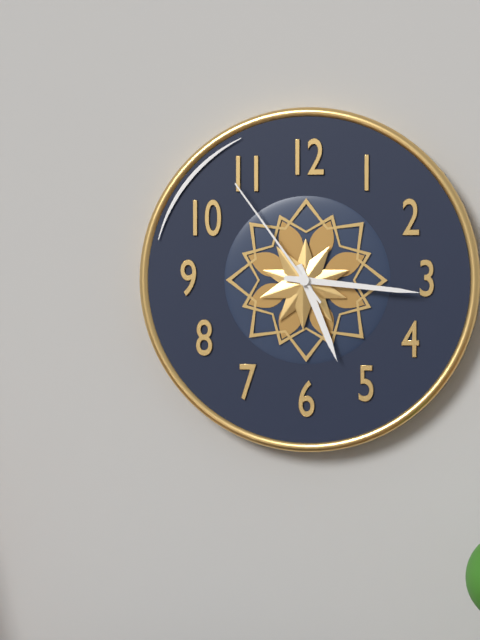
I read 5h16m54s
